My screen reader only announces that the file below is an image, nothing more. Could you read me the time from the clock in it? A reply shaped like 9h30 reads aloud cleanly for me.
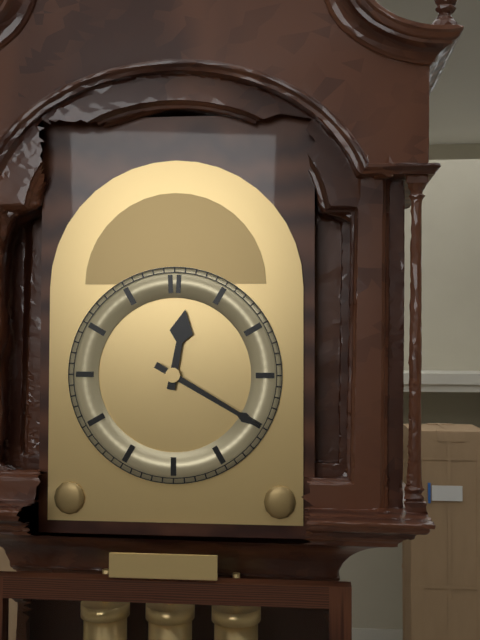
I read 12h20
